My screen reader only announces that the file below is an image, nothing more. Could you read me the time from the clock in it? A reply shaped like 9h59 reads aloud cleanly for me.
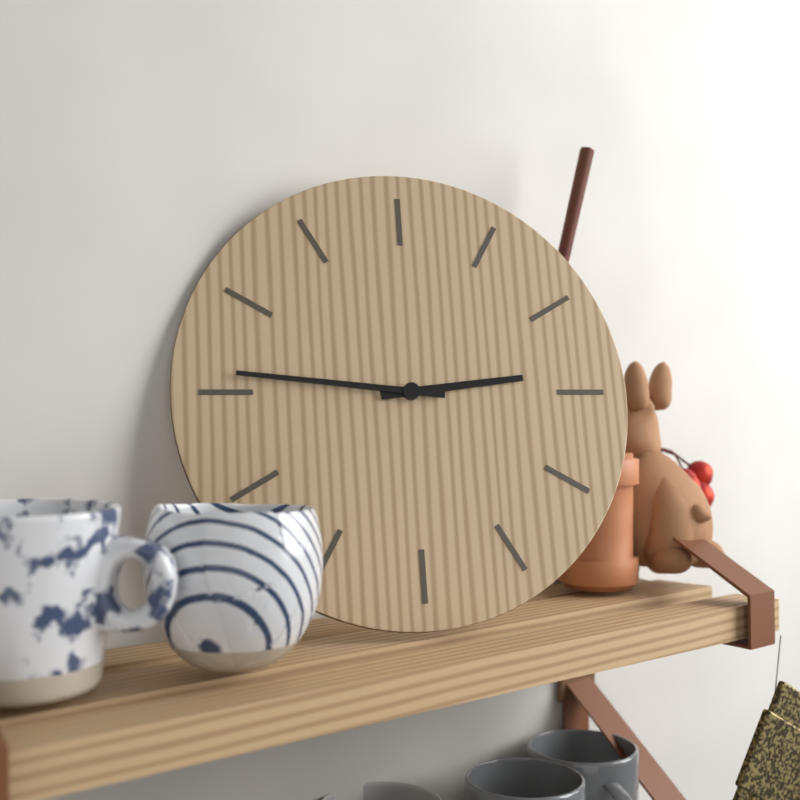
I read 2h46
